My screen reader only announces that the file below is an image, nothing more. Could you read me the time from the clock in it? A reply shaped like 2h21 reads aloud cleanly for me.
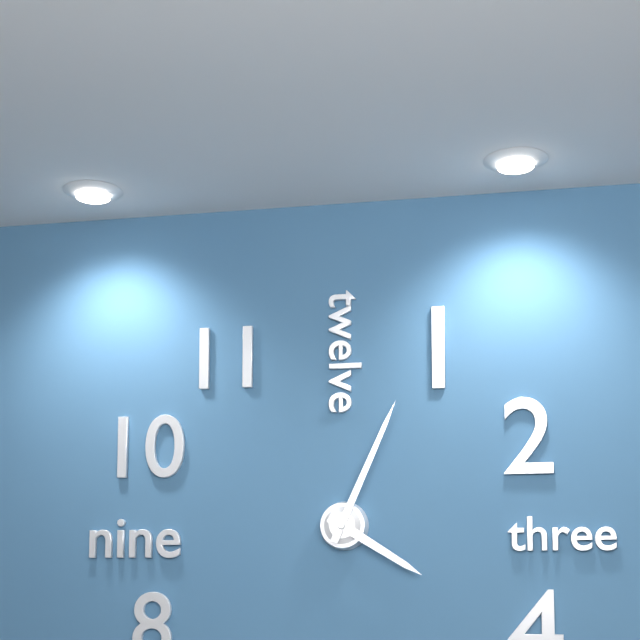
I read 4h04
